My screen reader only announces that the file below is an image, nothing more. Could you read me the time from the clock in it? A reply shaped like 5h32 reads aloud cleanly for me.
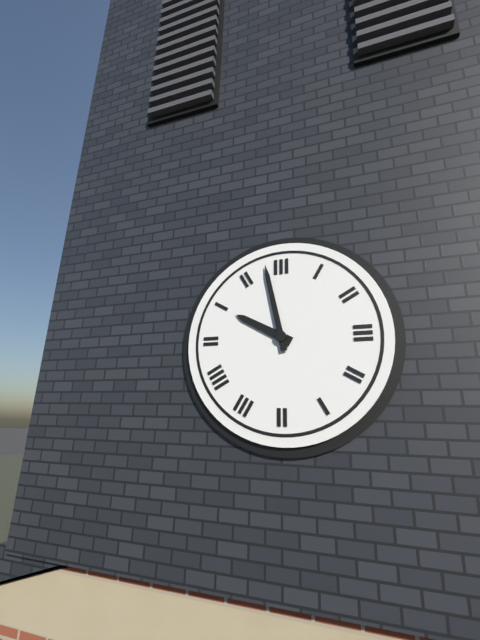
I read 9h58
